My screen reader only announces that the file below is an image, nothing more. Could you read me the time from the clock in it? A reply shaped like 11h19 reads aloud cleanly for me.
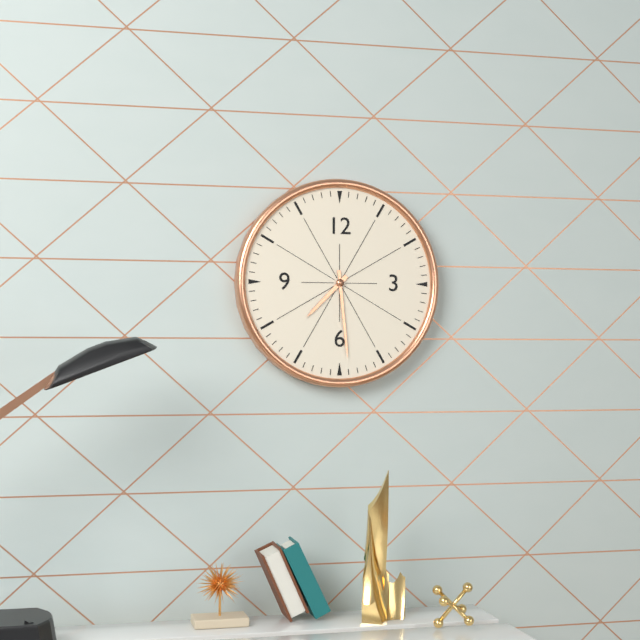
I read 7h29
